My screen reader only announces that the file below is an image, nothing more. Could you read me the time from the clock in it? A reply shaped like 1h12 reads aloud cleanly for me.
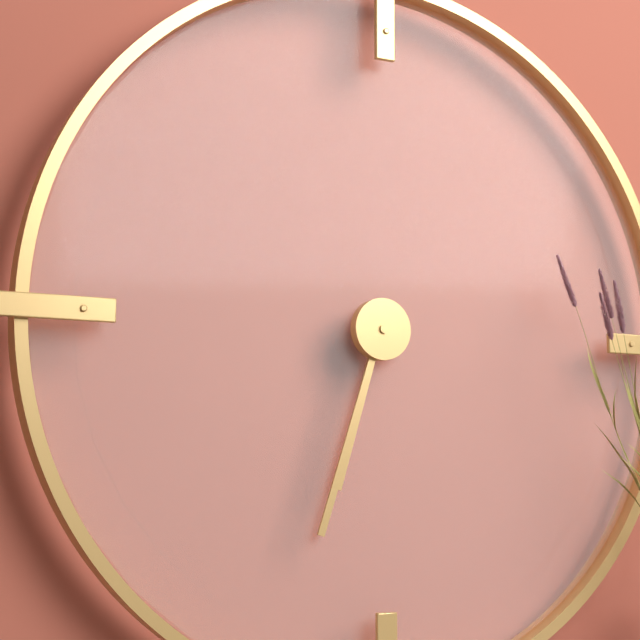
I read 6h33
